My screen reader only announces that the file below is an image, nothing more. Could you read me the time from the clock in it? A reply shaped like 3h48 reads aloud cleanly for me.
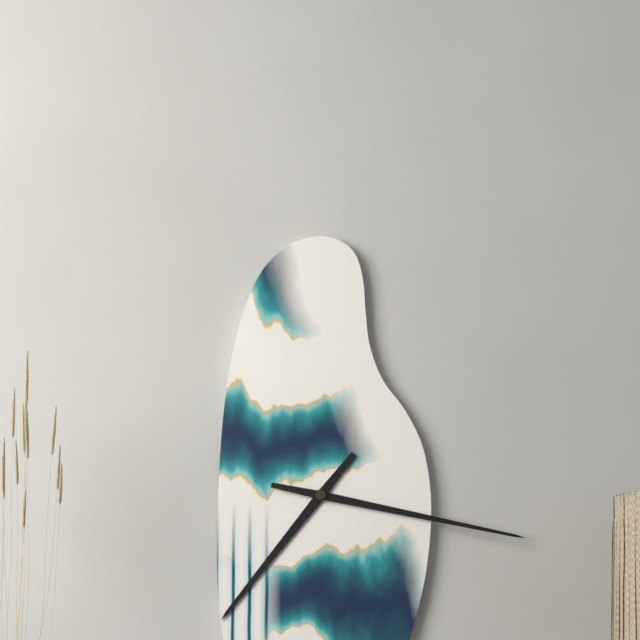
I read 7h17
